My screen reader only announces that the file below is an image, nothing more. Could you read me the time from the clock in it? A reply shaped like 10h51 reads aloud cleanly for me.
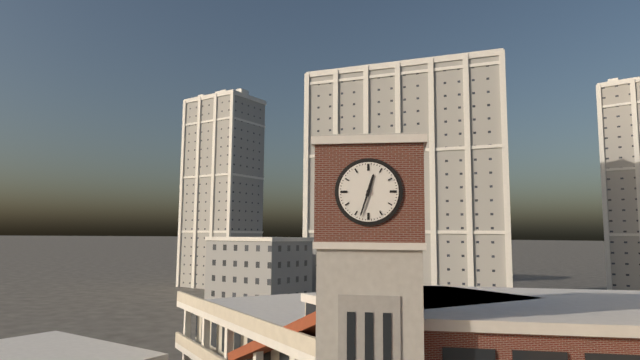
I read 12h33
